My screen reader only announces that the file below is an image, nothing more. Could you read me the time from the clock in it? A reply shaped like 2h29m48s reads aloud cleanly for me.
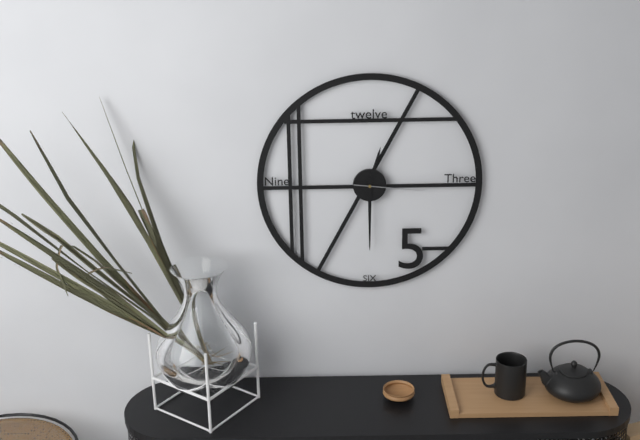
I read 12h30m16s
